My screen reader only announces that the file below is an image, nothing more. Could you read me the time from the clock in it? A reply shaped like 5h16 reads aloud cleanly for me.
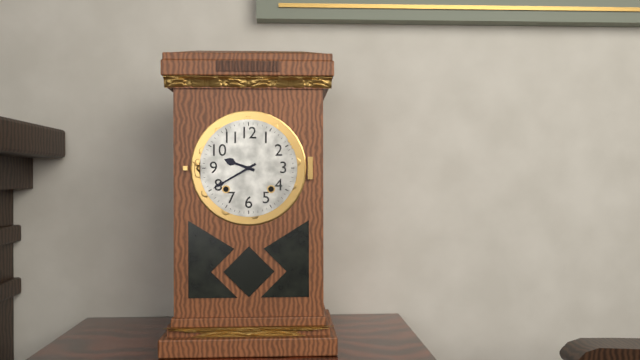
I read 9h40
